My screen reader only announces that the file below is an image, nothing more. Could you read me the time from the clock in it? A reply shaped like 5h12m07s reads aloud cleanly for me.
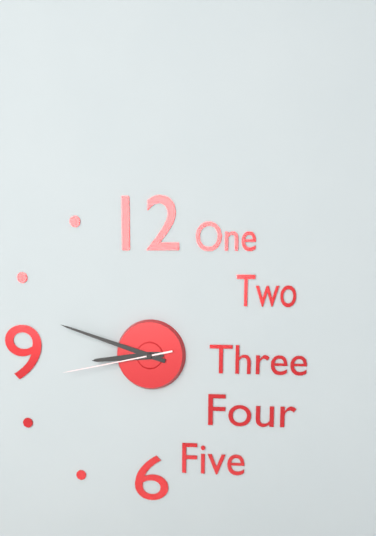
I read 8h48m43s
